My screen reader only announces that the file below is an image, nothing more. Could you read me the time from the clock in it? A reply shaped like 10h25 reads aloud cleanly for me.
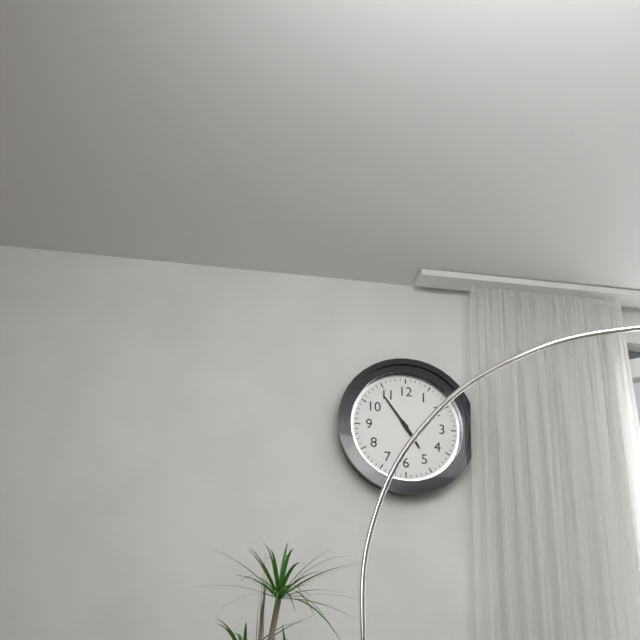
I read 4h54
